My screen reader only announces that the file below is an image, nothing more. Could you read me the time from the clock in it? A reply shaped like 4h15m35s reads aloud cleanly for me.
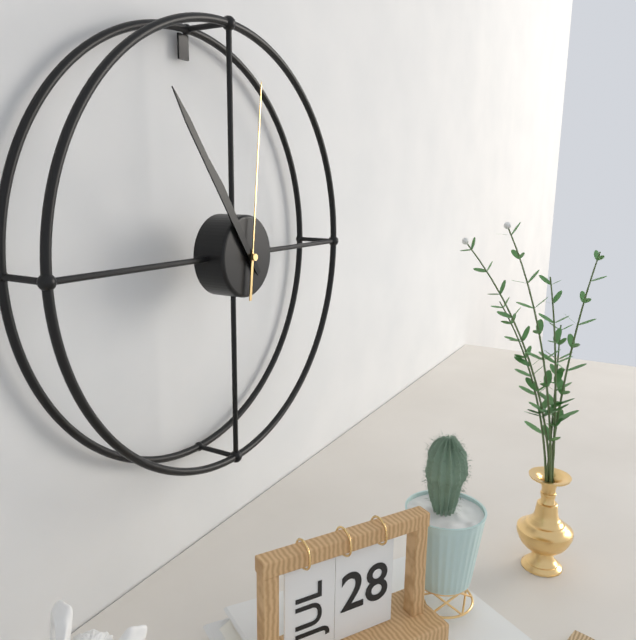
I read 10h54m01s
